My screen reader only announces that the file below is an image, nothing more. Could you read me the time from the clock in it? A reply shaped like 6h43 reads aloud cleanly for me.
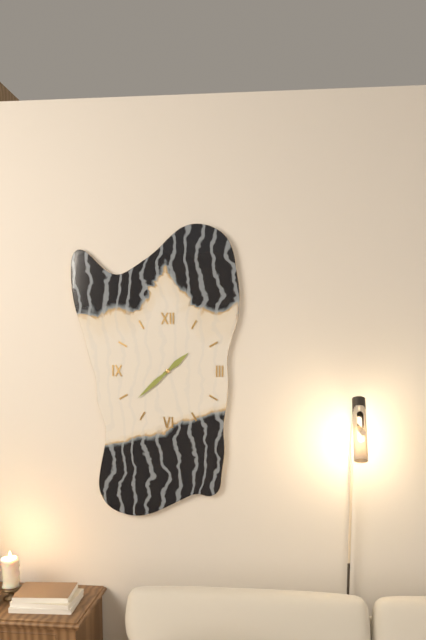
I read 1h38
